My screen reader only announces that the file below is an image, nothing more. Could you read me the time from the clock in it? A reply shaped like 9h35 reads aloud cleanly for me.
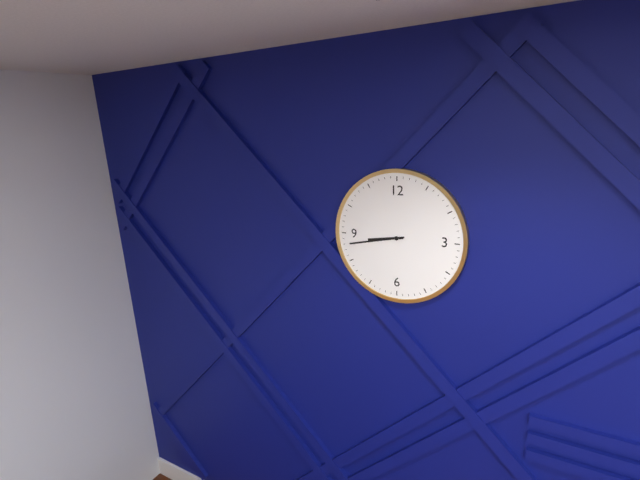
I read 8h43
